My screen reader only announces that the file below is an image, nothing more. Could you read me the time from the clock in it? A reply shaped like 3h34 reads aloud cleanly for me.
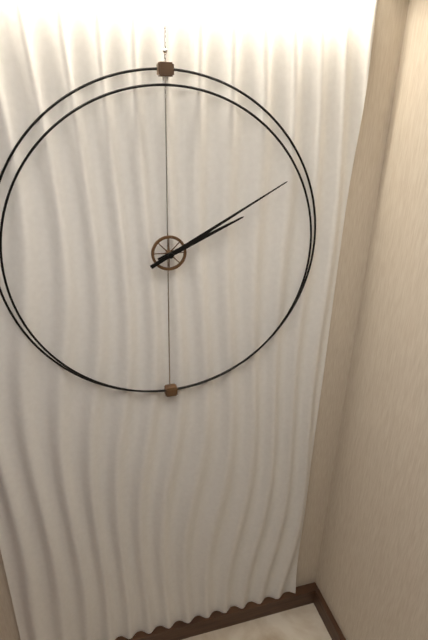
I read 2h10
